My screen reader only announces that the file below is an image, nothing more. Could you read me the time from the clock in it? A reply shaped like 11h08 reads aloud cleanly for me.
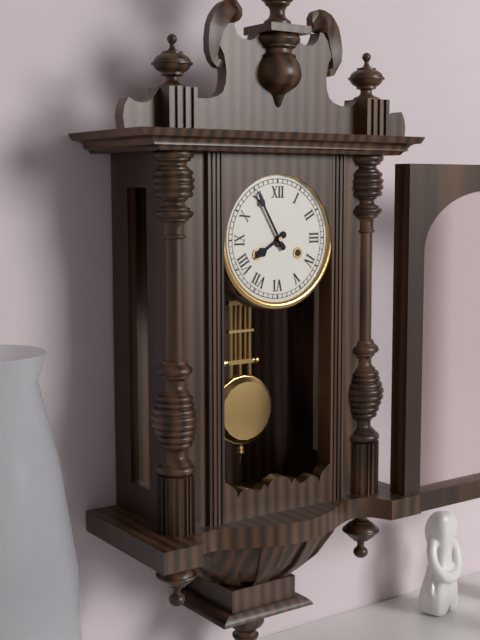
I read 7h55
